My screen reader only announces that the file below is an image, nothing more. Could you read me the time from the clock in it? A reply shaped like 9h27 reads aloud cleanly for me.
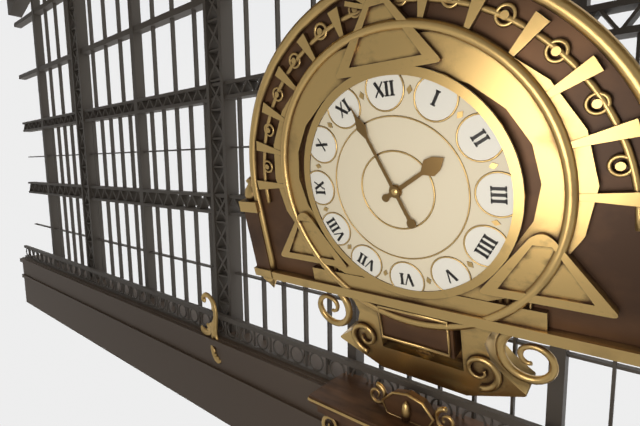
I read 1h56
